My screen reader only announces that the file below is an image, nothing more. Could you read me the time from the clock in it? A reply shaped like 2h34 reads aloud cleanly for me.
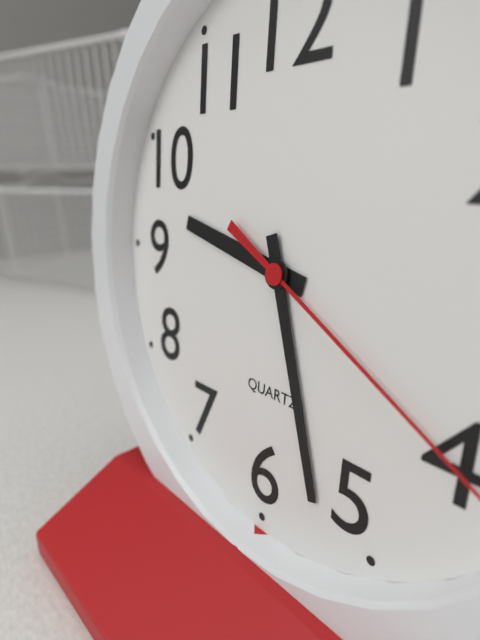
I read 9h27
